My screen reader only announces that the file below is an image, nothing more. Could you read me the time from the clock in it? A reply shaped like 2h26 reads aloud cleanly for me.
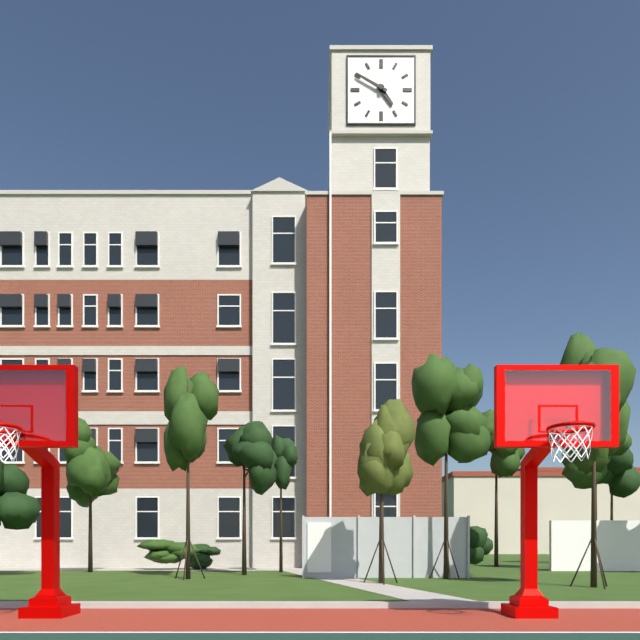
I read 4h50
